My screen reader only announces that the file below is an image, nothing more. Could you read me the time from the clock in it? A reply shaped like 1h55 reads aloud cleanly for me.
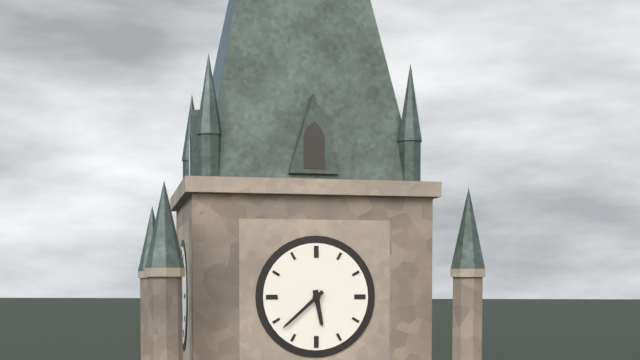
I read 5h38
